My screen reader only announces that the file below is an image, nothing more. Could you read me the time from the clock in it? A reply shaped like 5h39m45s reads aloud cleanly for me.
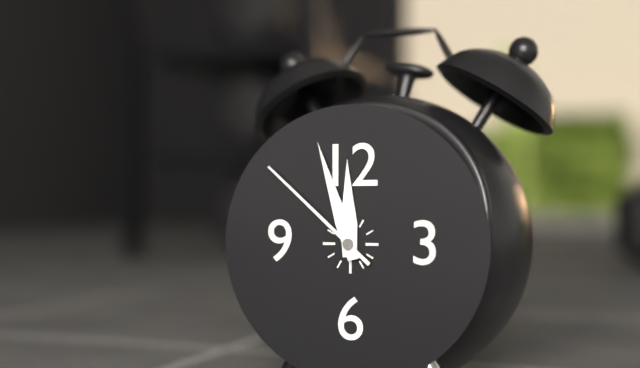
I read 11h57m52s
